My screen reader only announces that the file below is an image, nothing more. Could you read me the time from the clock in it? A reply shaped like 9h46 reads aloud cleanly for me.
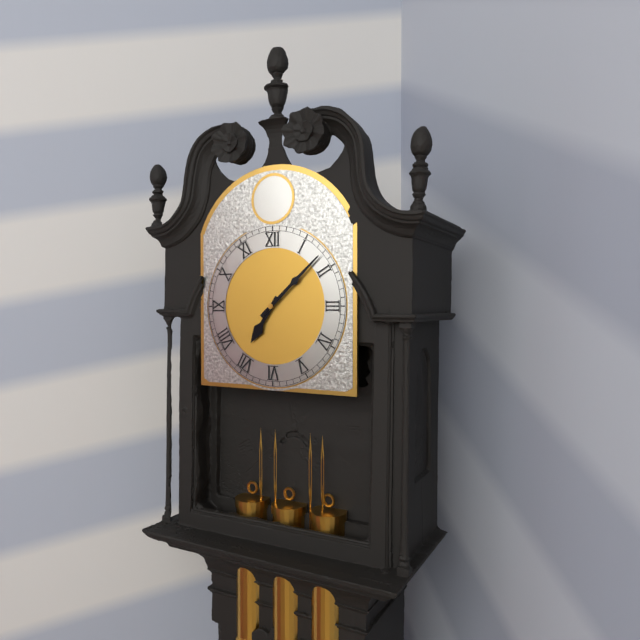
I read 7h08
